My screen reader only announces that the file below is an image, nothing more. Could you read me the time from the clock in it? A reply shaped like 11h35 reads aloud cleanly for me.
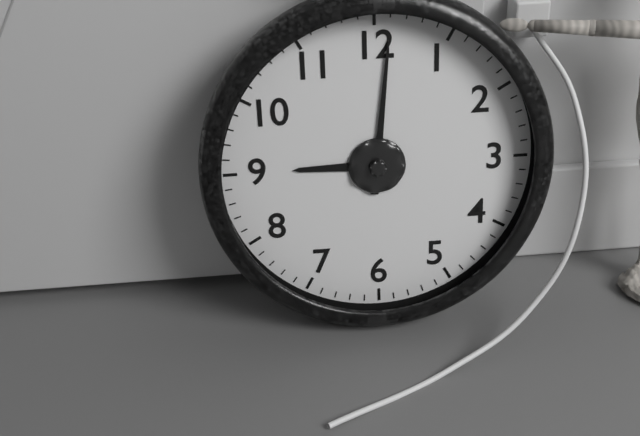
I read 9h01
